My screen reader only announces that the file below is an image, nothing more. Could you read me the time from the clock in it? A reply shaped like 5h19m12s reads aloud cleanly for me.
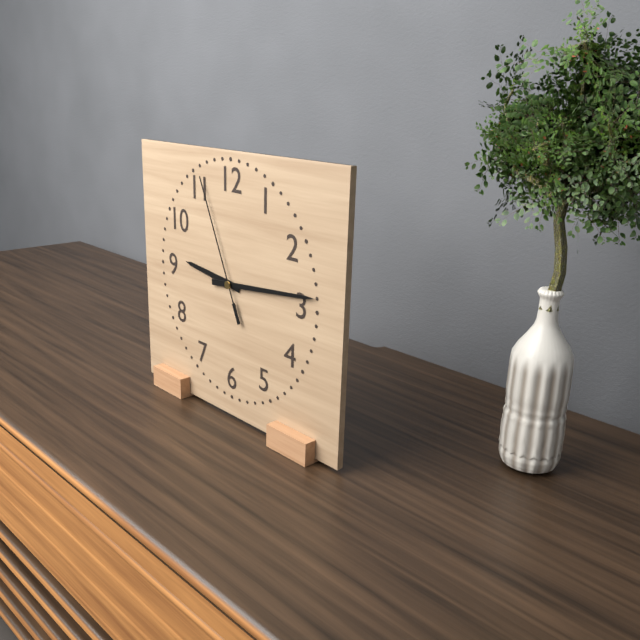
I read 9h14m56s
